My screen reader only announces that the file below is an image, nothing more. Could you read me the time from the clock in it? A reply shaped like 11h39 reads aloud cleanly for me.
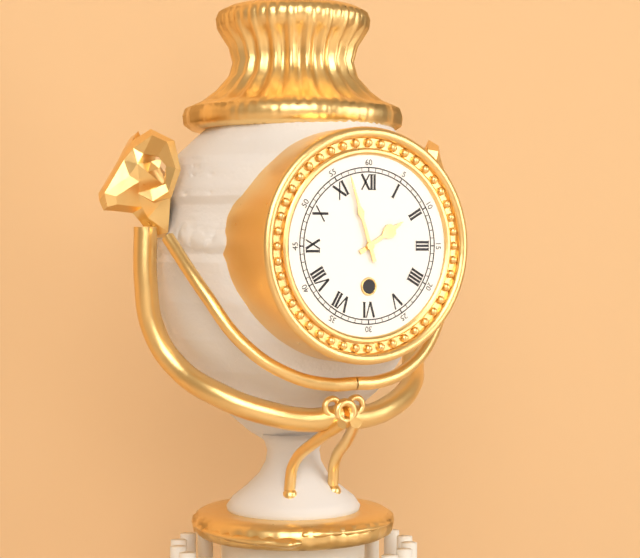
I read 1h57
